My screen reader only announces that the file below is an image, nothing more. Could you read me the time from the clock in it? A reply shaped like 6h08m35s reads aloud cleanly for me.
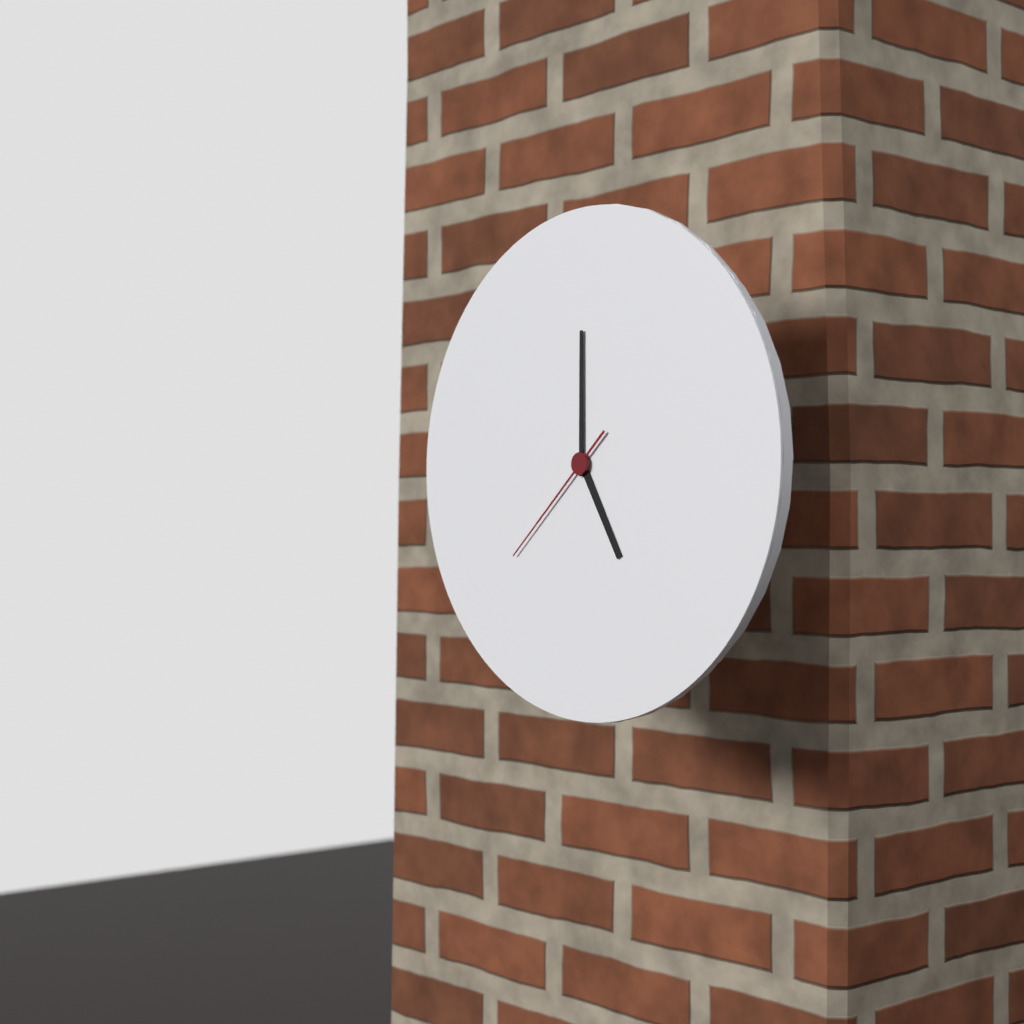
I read 5h00m38s
